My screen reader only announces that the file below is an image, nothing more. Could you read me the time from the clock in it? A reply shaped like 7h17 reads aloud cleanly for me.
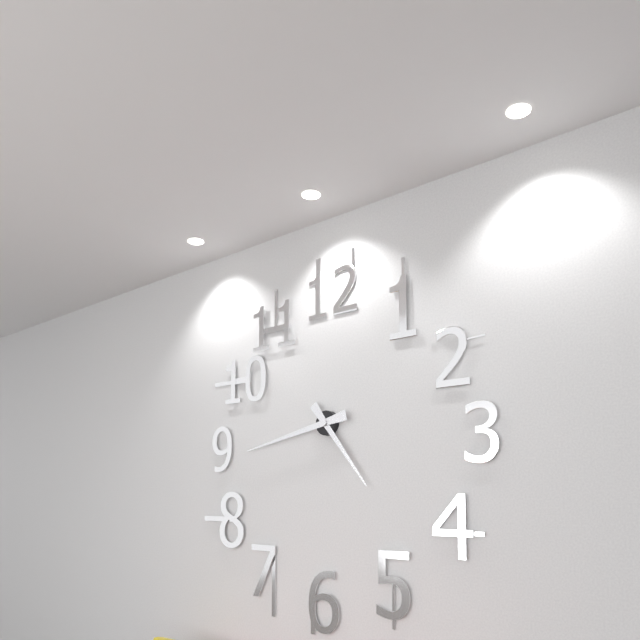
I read 4h43
